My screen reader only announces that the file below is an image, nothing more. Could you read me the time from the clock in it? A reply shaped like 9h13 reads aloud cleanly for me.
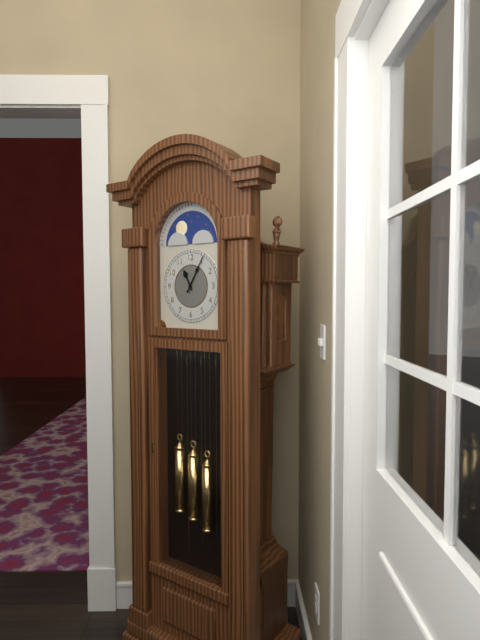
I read 11h05
